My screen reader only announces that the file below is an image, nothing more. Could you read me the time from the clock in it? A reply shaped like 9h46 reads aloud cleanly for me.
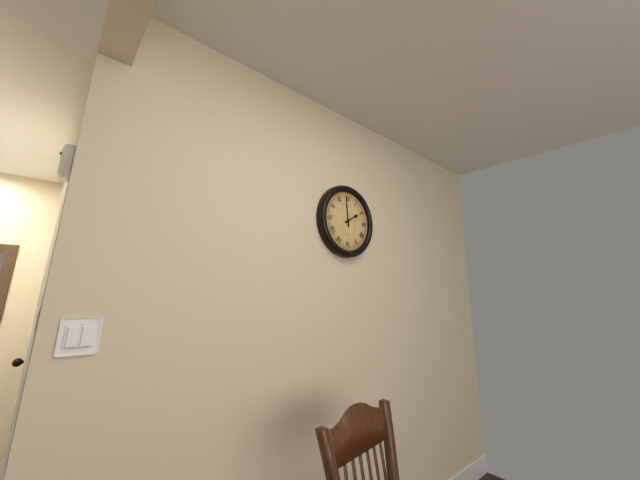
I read 1h59
